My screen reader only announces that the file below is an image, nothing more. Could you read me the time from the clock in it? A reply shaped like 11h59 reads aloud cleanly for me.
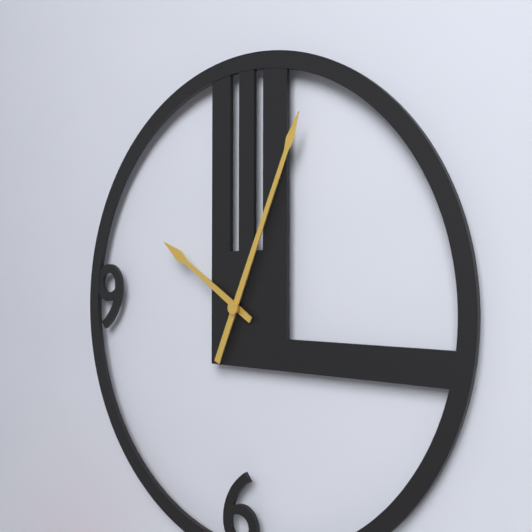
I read 10h04
